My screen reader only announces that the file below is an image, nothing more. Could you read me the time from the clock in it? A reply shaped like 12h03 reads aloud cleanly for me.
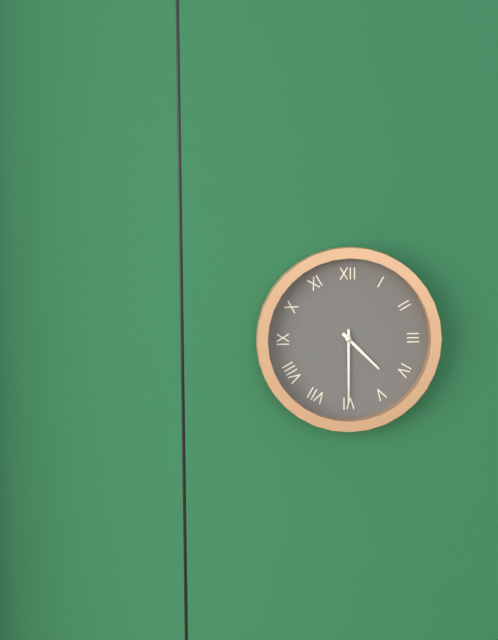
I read 4h30
